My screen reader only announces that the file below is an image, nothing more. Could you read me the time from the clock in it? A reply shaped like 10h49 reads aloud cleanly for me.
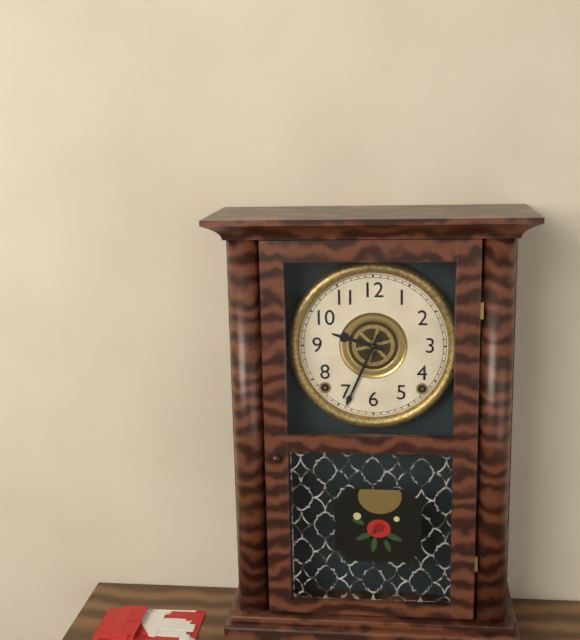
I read 9h34
